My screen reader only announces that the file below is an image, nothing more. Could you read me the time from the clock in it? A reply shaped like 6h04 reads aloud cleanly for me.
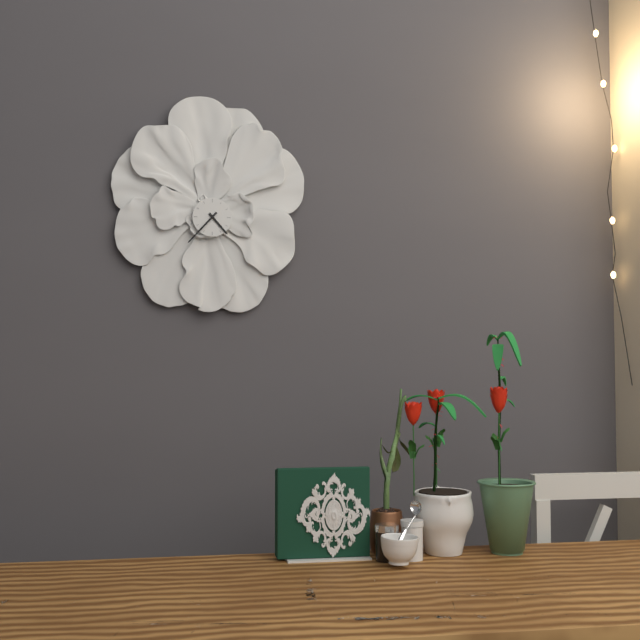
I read 4h37
